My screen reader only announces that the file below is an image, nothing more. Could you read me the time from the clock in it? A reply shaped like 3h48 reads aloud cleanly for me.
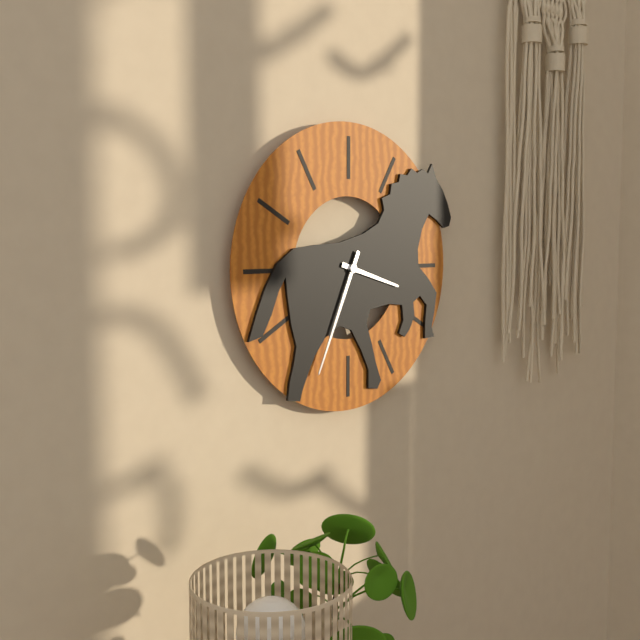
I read 3h34
